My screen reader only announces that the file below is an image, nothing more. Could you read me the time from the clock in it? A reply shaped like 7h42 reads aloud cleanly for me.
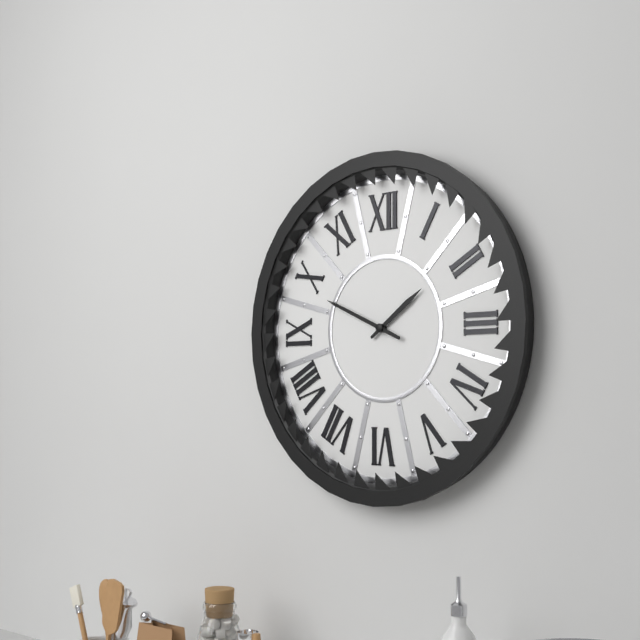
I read 1h49
